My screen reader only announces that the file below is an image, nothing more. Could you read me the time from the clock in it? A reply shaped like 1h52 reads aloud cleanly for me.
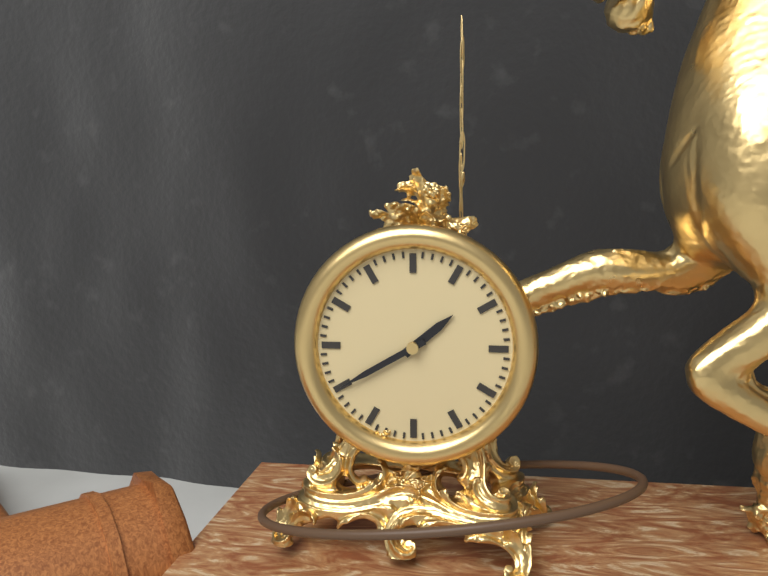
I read 1h40
